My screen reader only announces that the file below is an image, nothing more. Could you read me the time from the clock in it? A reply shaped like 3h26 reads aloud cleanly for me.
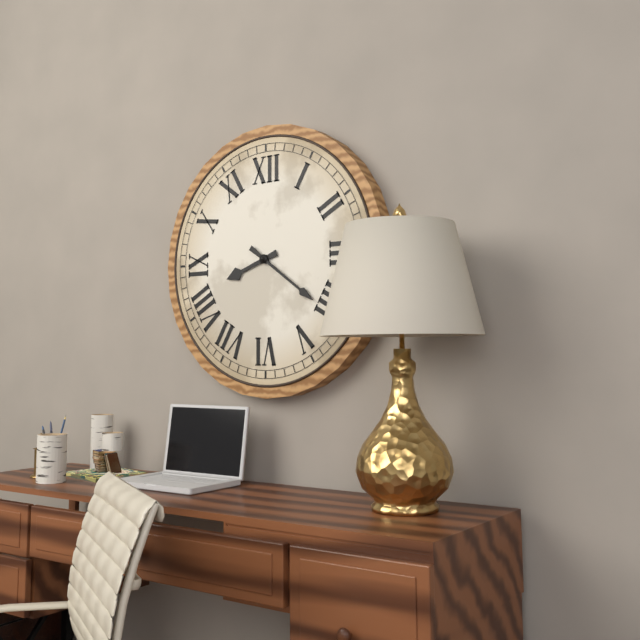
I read 8h21
